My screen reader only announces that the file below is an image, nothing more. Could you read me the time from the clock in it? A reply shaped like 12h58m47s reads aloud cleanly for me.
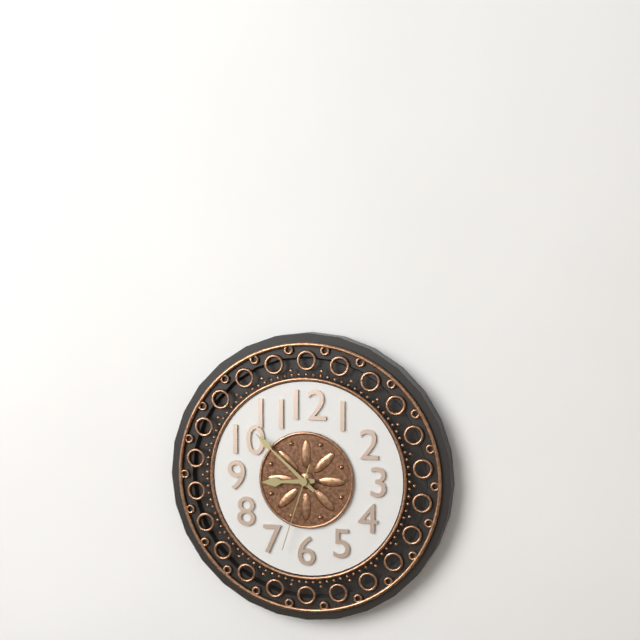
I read 8h52m33s
